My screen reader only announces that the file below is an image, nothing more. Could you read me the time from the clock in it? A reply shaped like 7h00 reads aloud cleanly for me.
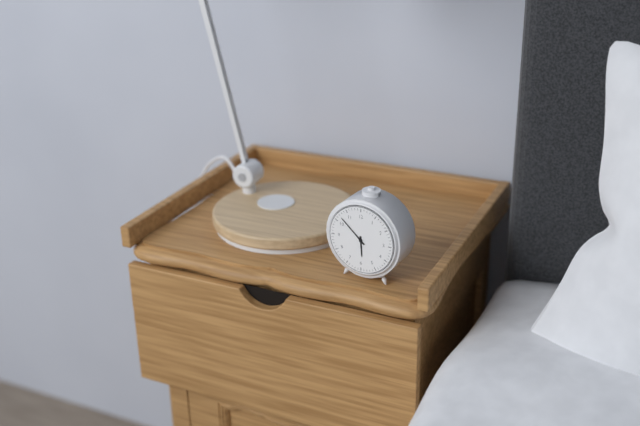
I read 5h52
